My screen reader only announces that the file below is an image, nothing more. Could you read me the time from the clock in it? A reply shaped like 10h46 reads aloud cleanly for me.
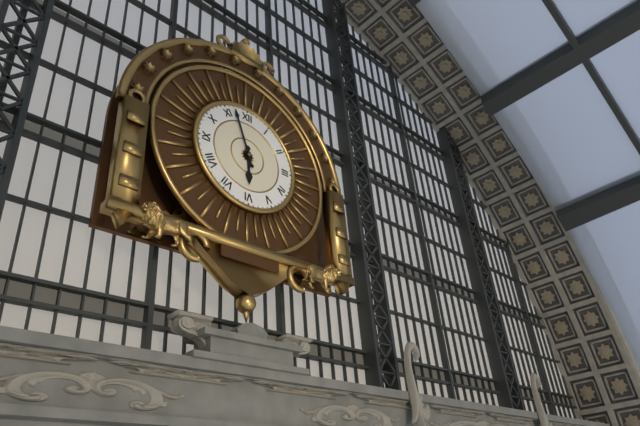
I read 5h57
